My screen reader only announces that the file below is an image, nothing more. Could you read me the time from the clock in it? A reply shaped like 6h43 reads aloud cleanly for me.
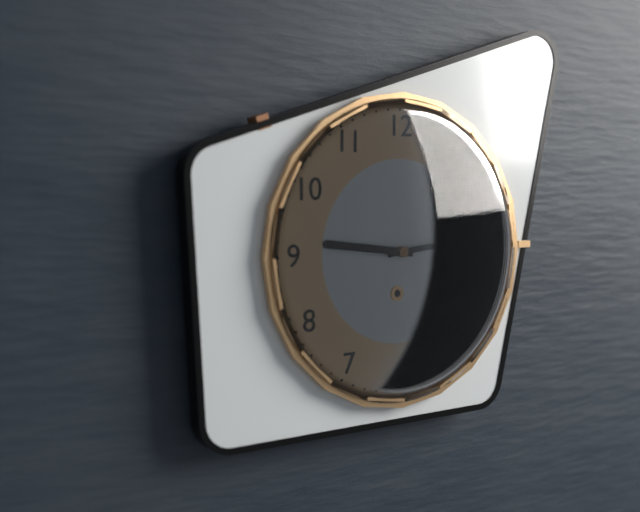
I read 9h14
